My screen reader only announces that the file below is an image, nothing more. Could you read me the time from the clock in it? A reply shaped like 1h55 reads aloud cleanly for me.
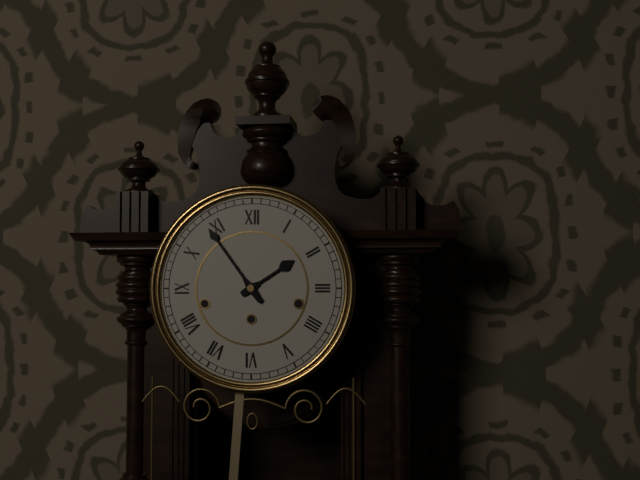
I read 1h54
